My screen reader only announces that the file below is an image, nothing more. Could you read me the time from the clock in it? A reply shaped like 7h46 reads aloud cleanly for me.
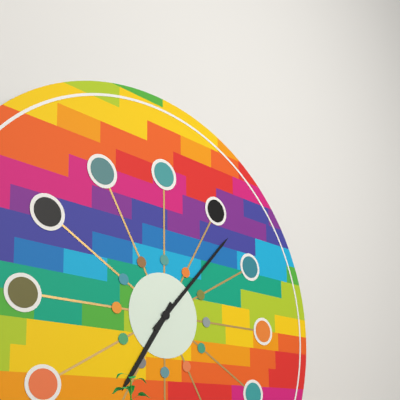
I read 7h07
